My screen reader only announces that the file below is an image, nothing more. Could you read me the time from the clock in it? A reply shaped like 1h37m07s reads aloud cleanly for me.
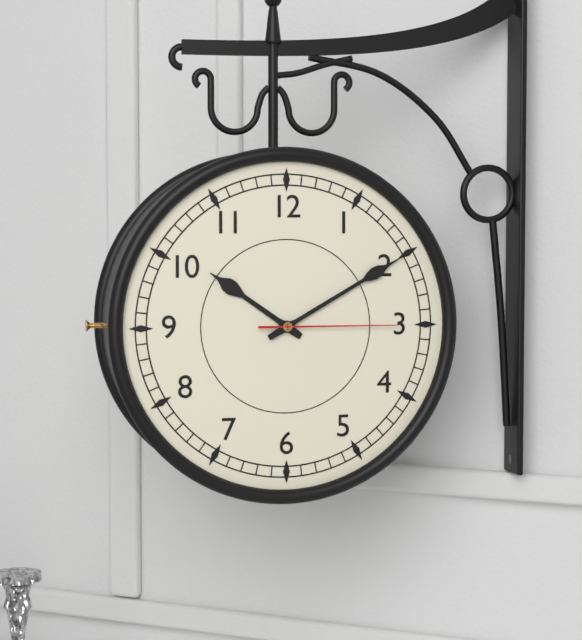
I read 10h10m15s
